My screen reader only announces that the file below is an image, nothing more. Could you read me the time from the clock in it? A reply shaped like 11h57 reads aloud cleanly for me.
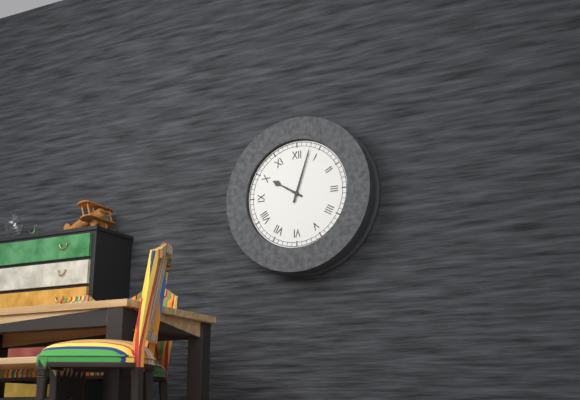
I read 10h03
